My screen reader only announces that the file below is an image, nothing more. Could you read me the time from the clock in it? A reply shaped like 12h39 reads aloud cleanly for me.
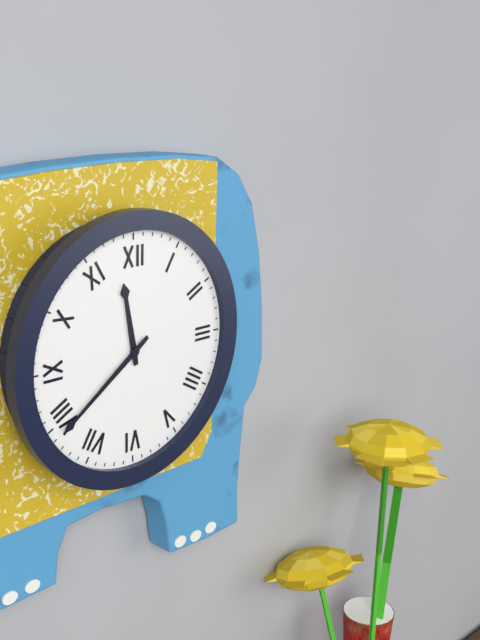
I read 11h39
